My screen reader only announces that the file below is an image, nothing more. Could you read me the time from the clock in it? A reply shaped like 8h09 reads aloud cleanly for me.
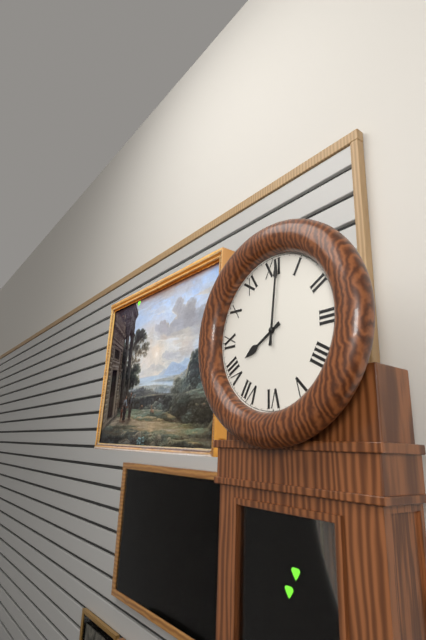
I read 8h01
